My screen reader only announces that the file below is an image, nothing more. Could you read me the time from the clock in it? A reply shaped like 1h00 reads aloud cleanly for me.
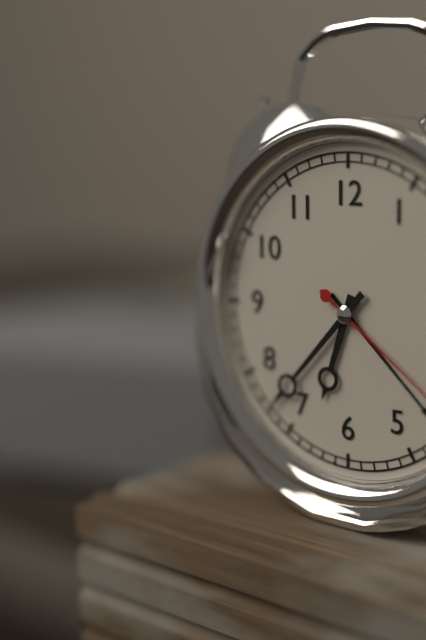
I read 6h37
